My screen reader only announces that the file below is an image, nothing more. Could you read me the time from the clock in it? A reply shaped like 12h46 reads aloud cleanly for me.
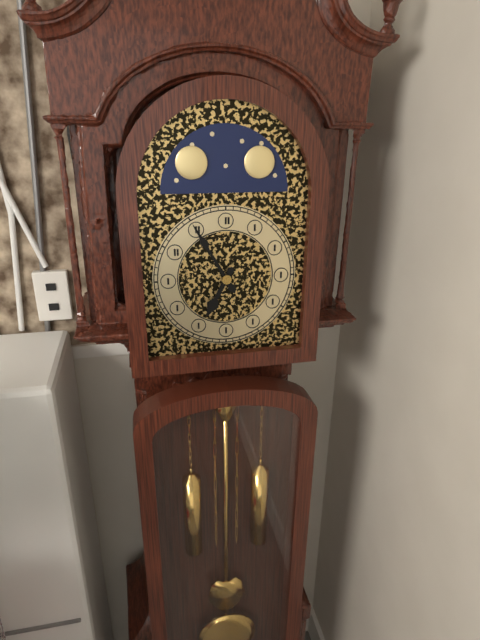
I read 6h55
